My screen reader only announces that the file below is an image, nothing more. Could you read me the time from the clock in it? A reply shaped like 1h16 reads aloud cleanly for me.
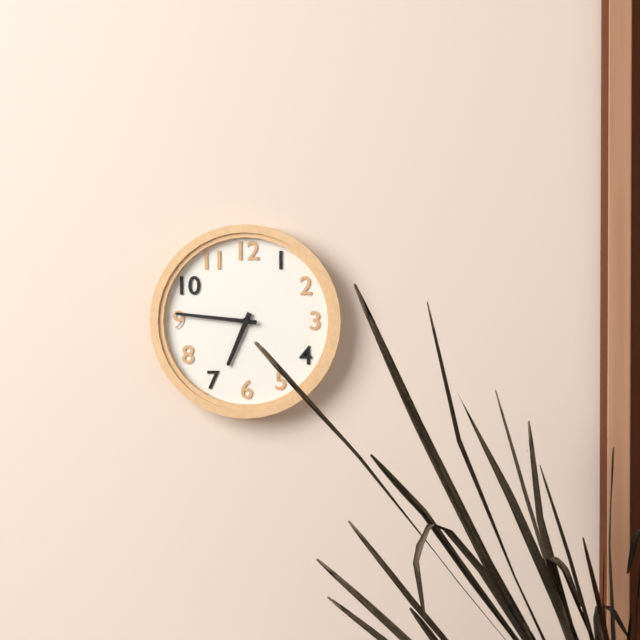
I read 6h46
